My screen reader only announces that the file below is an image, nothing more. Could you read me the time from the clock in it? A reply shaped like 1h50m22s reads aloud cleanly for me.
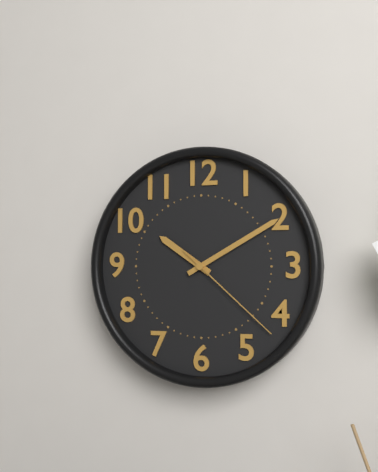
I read 10h10m22s
